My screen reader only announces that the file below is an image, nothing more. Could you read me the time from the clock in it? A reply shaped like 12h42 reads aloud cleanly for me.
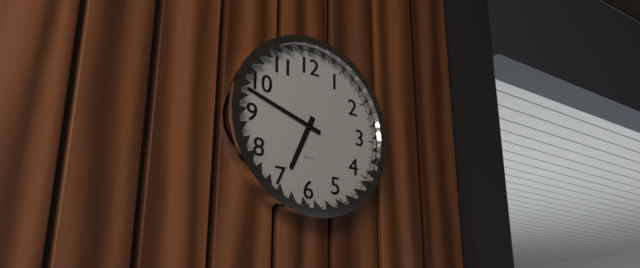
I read 6h48
